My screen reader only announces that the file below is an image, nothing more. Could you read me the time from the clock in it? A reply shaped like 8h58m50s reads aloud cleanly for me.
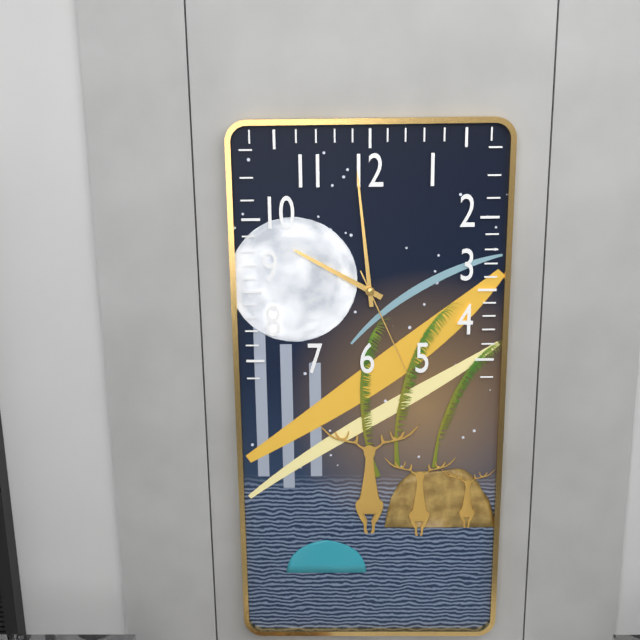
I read 9h59m26s
